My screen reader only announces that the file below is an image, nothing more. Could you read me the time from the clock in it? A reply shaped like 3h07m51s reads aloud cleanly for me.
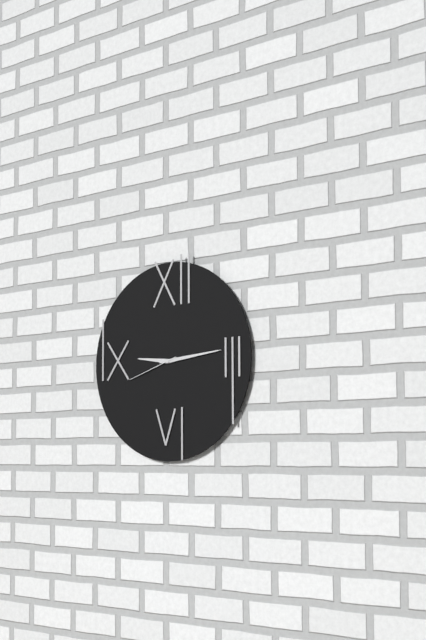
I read 9h14m42s
